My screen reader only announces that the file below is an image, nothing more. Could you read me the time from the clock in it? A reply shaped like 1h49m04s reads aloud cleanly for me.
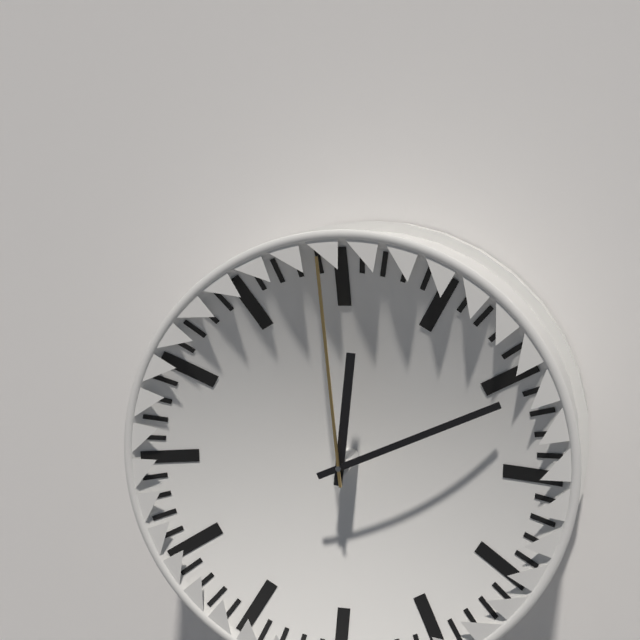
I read 12h11m59s
